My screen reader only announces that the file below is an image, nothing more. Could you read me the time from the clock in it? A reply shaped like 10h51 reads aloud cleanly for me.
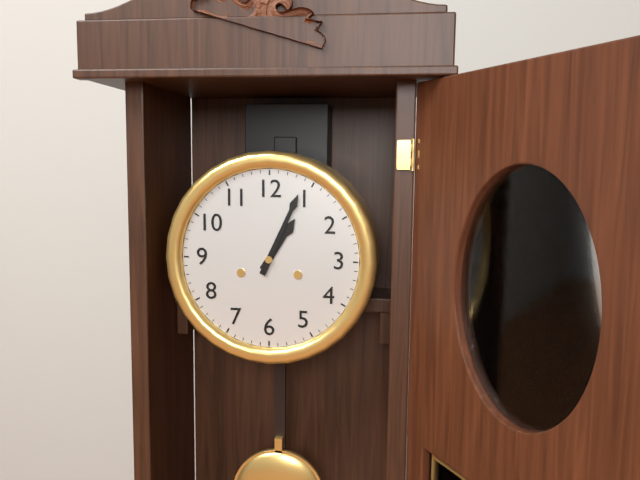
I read 1h04
